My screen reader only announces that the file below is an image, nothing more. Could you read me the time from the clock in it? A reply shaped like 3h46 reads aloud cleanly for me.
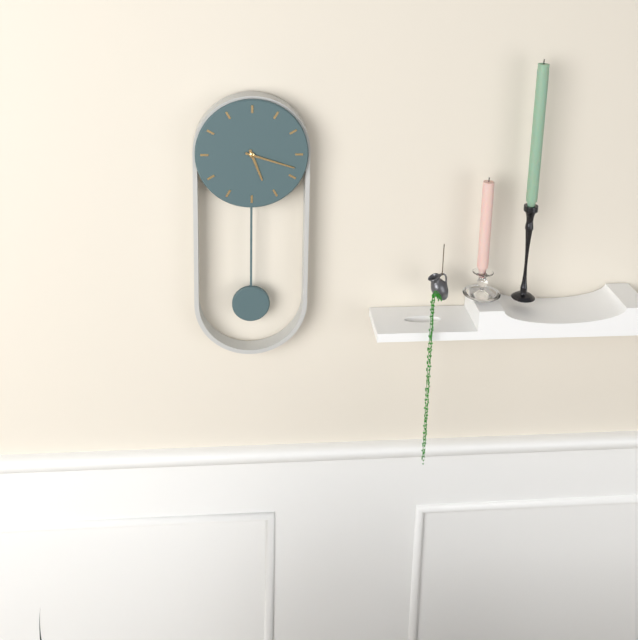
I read 5h18
